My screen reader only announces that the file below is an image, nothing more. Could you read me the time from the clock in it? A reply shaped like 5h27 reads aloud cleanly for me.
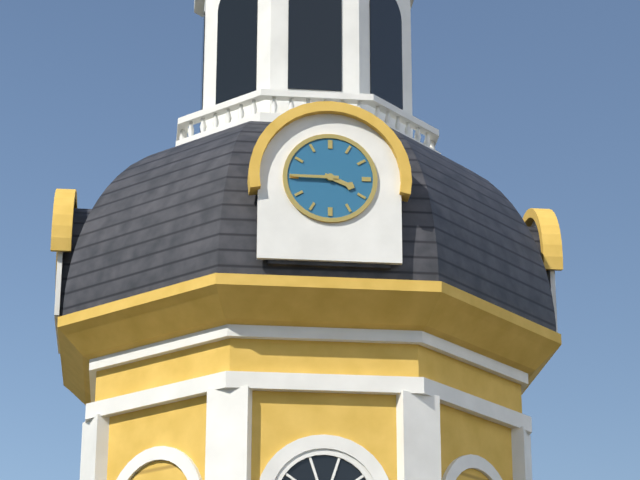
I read 3h45
